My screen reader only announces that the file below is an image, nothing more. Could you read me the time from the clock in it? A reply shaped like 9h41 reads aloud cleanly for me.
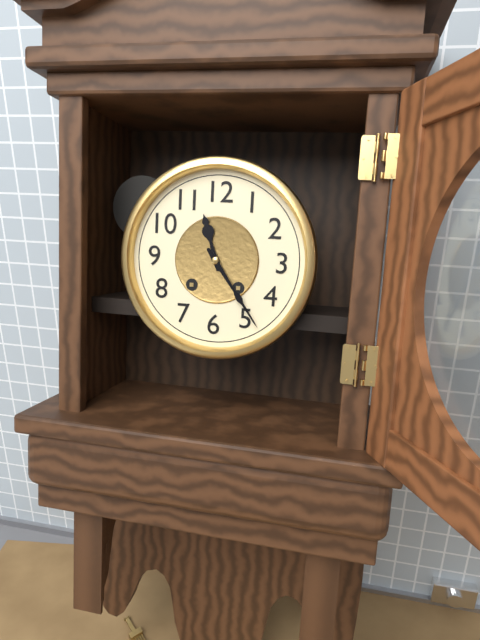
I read 11h24
